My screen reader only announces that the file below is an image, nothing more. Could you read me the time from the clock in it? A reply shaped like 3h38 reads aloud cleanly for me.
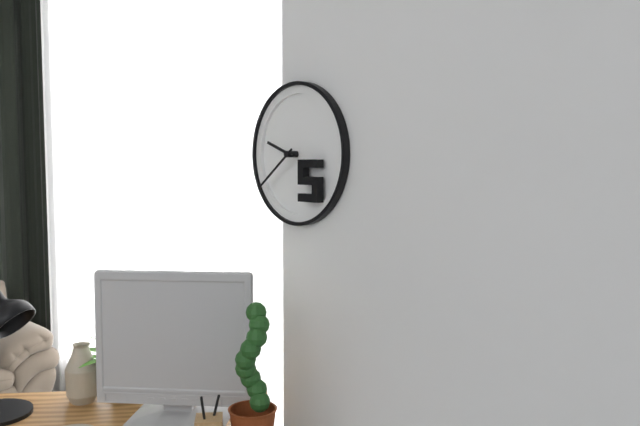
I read 9h39
